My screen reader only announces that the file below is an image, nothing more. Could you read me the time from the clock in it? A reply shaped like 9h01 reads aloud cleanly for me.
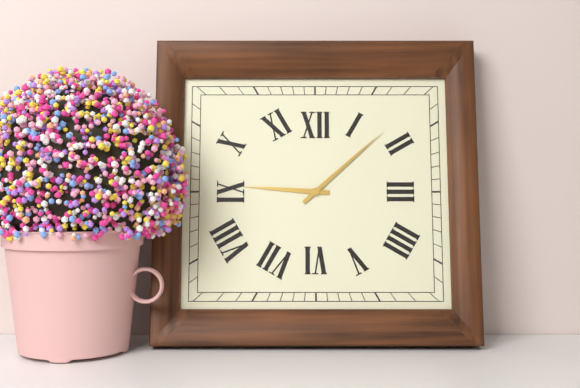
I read 9h08
